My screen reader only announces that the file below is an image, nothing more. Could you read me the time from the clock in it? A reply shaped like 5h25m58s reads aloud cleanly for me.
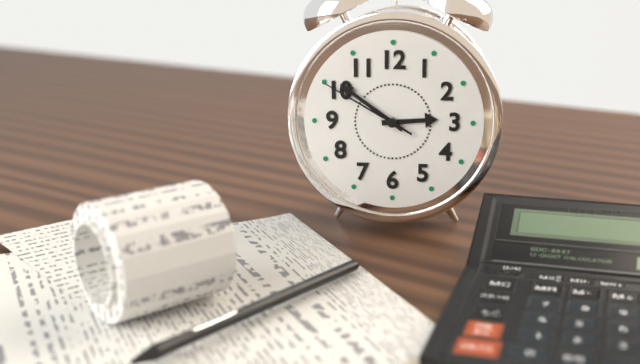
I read 2h51m50s
